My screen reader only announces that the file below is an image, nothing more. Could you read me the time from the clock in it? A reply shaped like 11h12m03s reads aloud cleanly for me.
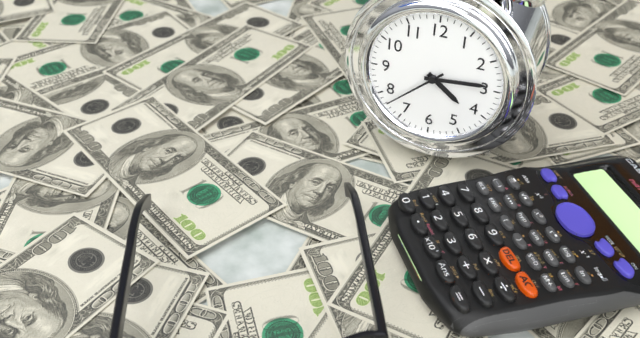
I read 4h14m38s
